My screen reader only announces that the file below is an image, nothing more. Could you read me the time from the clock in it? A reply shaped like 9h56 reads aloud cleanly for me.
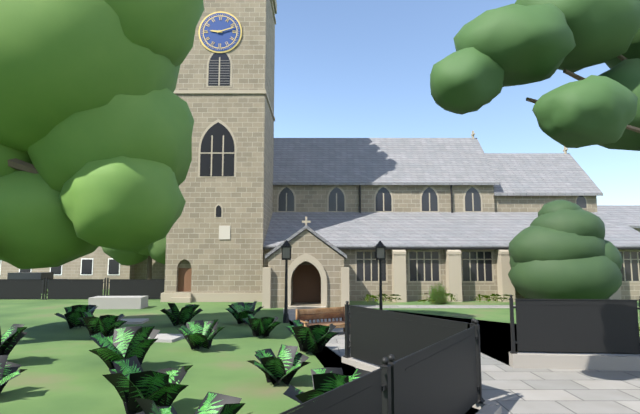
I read 9h12
